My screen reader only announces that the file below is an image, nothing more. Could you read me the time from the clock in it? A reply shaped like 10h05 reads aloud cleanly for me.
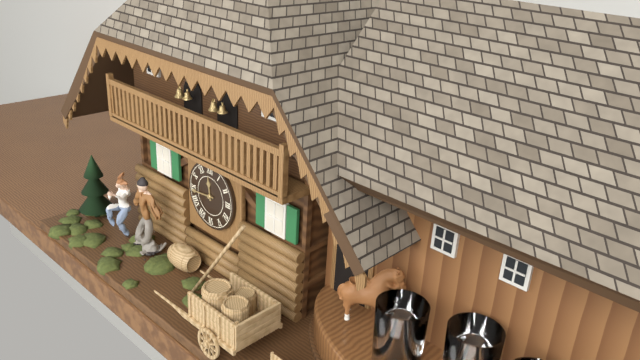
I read 11h44
